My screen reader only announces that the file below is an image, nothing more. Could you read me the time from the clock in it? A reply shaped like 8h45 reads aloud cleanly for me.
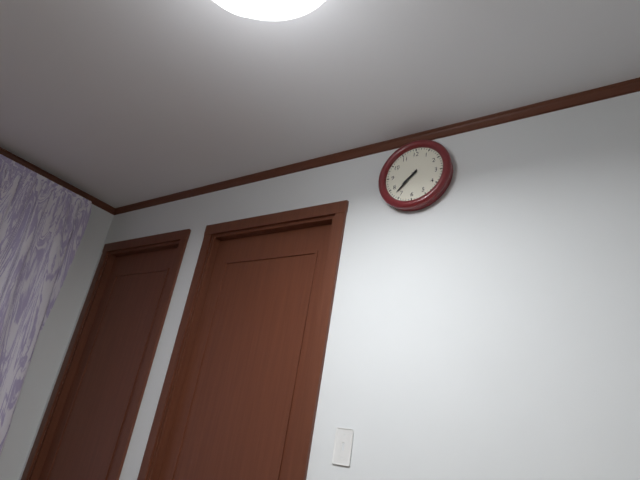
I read 7h37
